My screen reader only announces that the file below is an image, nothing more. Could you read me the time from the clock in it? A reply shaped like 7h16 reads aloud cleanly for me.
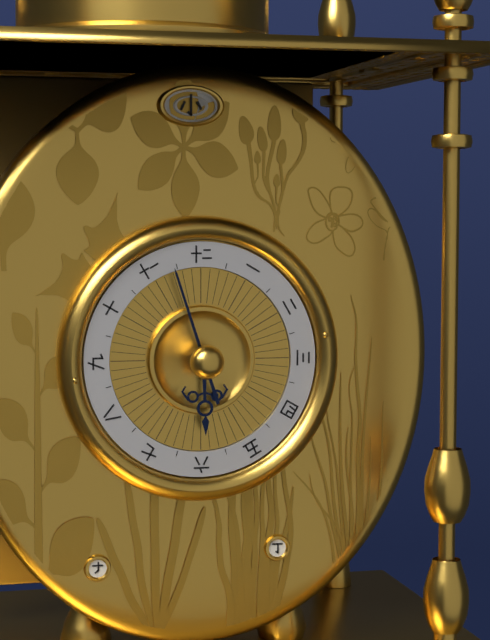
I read 5h57
